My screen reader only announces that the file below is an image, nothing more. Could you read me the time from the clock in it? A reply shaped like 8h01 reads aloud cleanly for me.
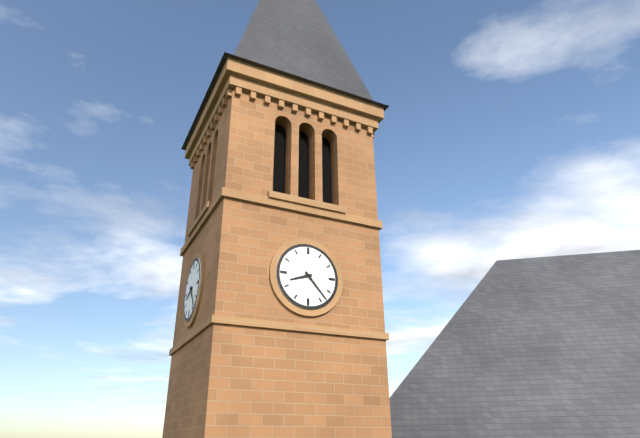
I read 8h23
